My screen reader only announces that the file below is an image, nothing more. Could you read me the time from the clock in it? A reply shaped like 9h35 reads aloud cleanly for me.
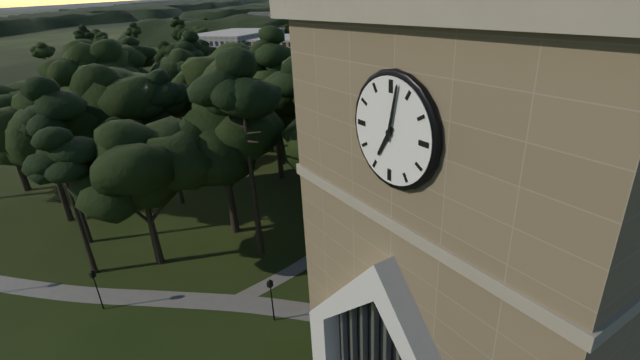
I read 7h02
